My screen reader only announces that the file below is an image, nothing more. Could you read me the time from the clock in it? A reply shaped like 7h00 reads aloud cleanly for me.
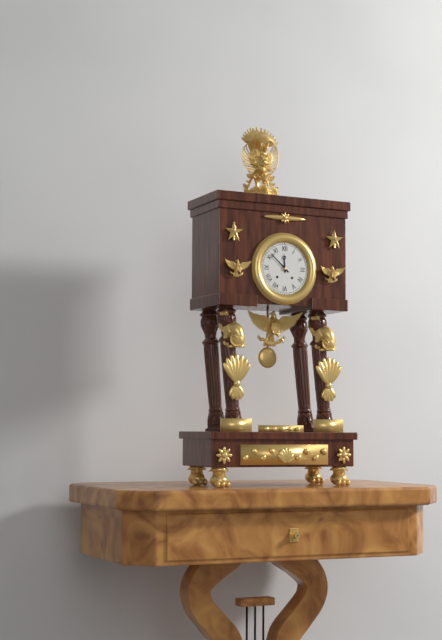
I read 11h52
